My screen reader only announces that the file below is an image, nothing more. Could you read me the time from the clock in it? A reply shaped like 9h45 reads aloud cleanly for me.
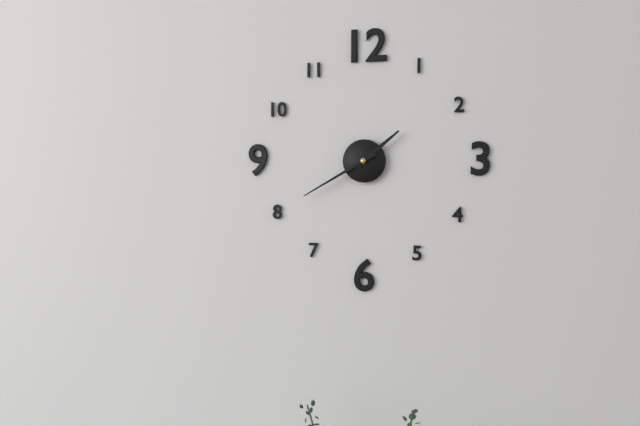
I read 1h40
